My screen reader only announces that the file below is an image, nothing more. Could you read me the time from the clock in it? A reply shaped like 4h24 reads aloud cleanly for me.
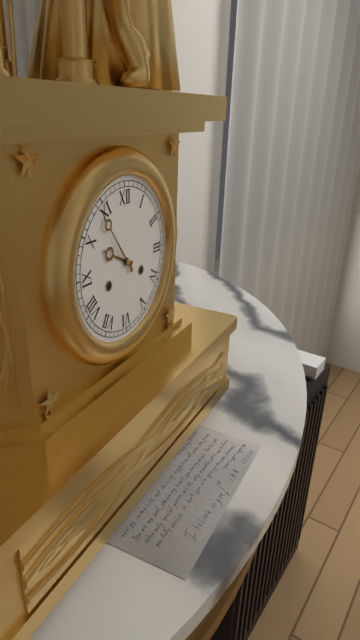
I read 9h54
